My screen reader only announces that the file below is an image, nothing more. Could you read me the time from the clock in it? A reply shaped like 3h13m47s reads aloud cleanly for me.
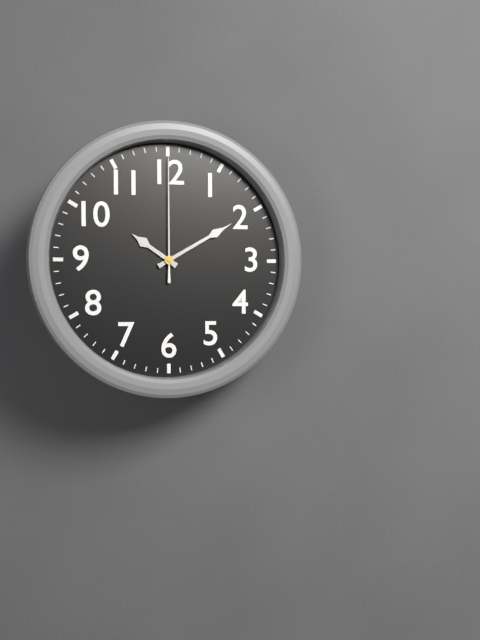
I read 10h10m00s
